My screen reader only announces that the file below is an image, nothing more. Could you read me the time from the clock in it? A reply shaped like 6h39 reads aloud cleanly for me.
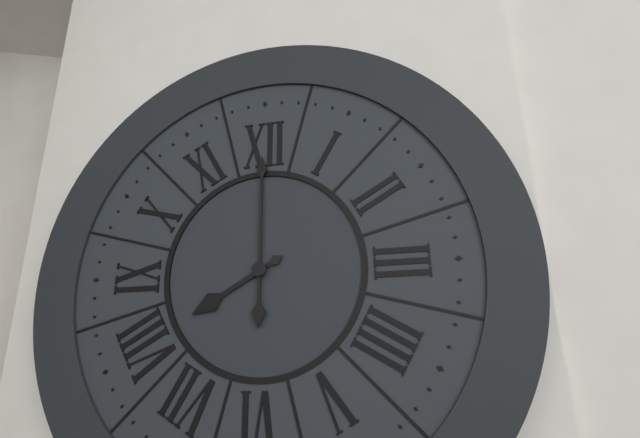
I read 8h00
